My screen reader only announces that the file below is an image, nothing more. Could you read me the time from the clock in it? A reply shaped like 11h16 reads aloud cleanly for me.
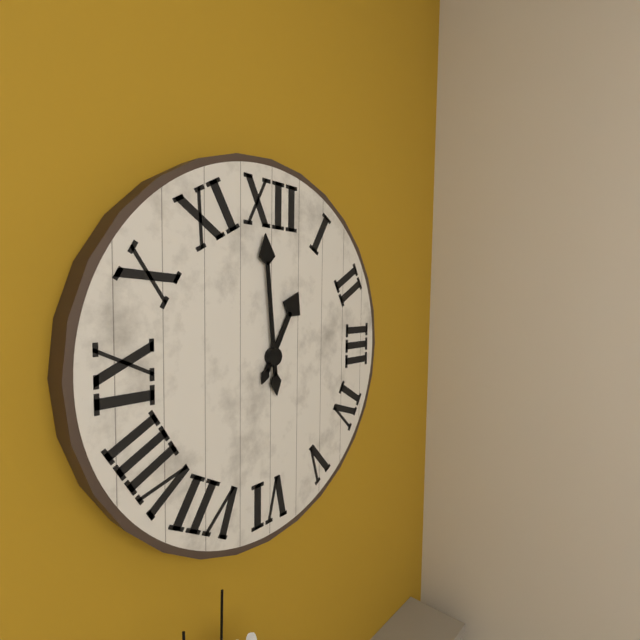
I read 12h59
